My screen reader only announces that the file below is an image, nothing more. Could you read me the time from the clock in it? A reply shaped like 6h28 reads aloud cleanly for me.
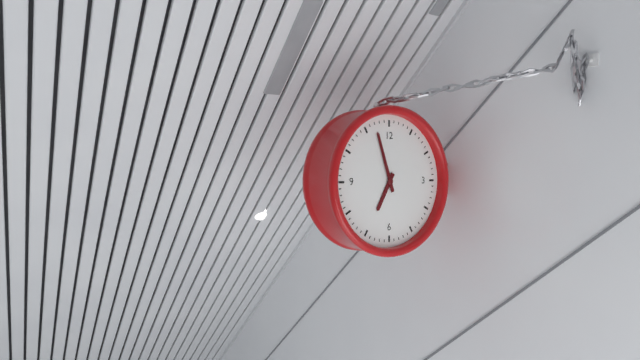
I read 6h57
